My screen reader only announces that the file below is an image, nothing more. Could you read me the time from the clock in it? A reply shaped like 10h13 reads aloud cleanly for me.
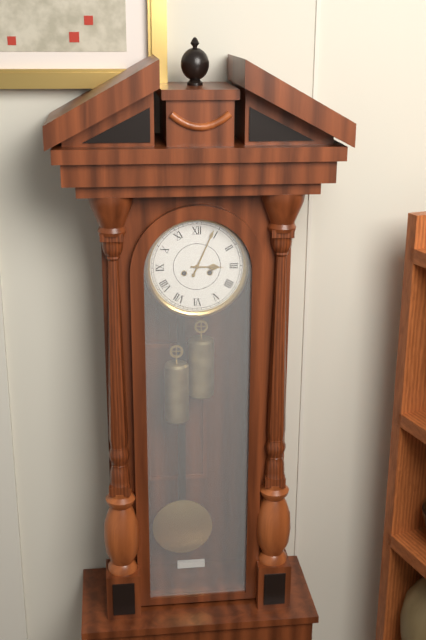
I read 3h04
